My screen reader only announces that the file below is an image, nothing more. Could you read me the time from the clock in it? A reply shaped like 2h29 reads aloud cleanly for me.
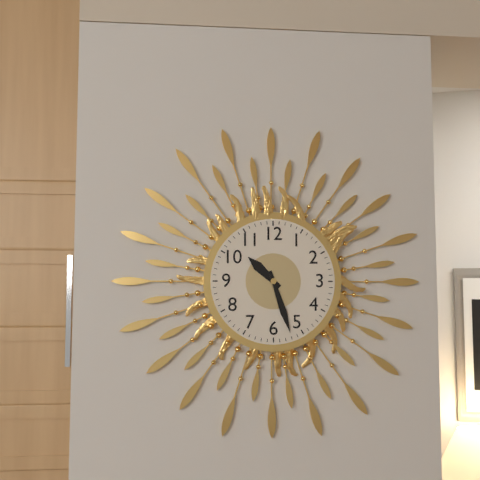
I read 10h27
